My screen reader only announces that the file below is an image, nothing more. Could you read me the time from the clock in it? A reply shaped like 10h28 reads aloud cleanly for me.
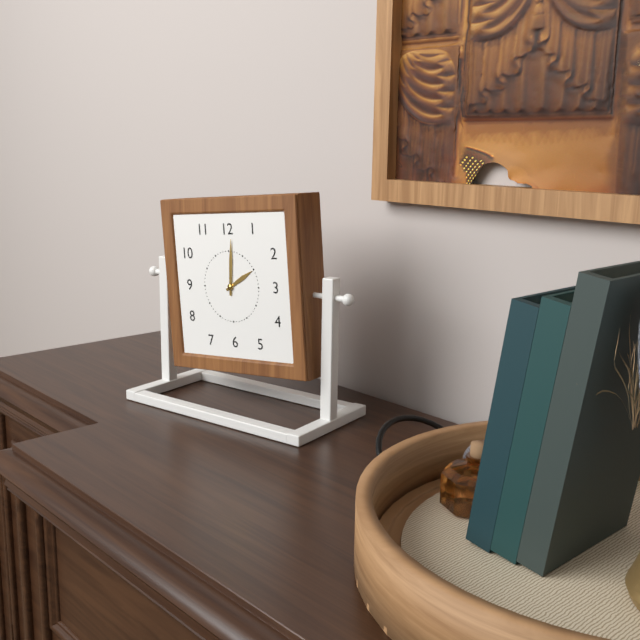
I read 2h01
